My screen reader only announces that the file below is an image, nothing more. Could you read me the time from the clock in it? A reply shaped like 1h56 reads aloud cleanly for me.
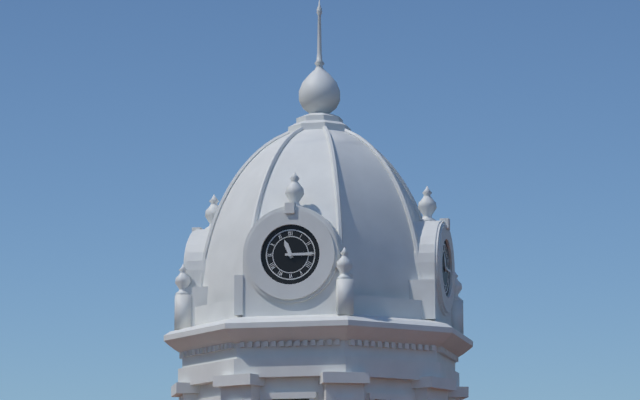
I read 11h15
